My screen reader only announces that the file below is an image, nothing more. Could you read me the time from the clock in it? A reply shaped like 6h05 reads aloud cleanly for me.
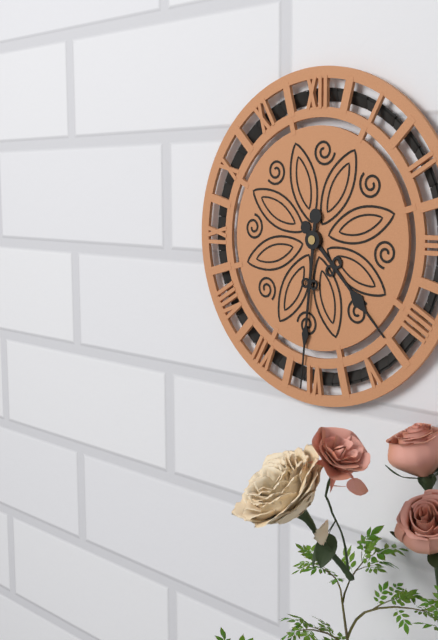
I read 4h31
